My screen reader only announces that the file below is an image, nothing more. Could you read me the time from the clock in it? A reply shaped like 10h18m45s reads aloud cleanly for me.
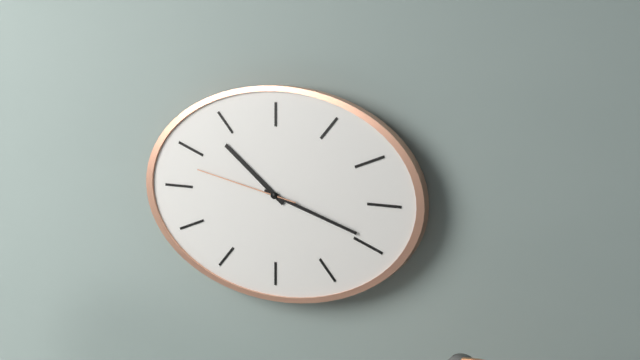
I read 10h18m47s
